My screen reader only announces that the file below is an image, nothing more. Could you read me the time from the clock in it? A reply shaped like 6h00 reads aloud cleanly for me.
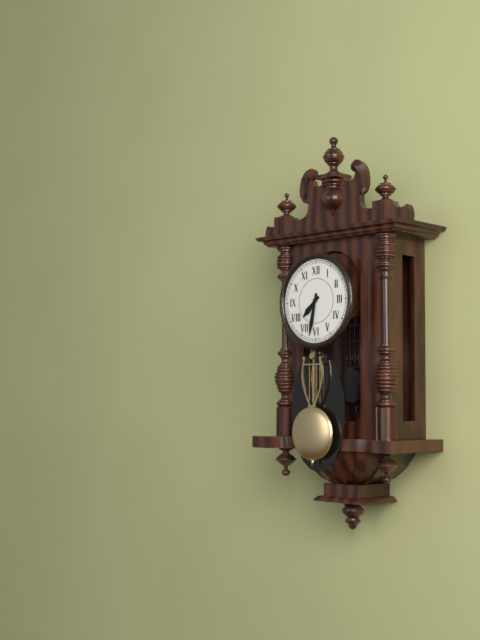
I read 7h32
